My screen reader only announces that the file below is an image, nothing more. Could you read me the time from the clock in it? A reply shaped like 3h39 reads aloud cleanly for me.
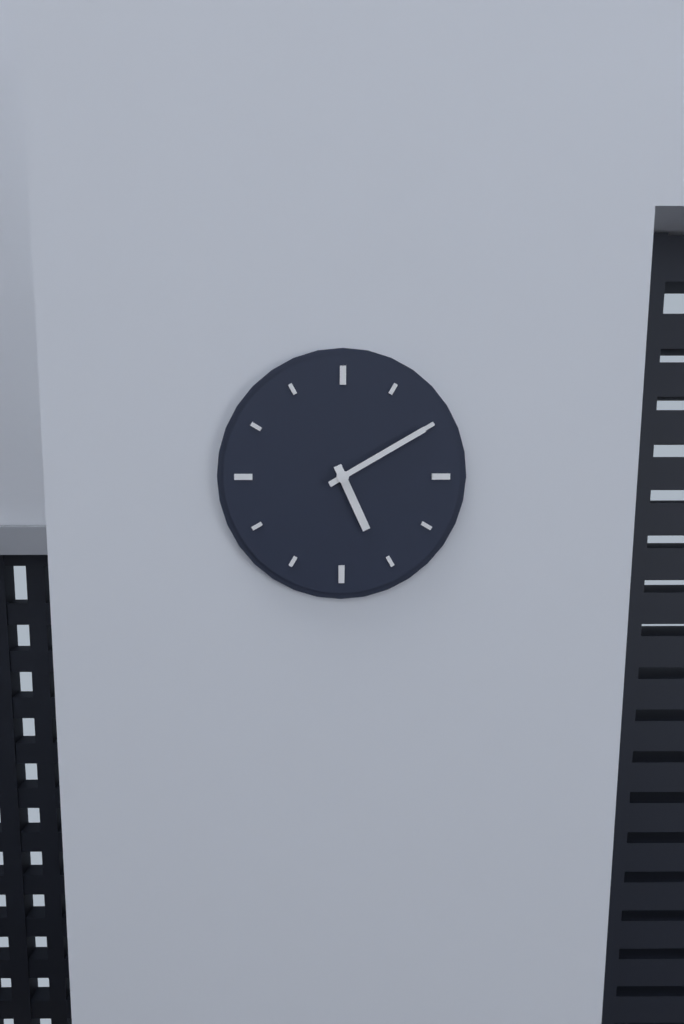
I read 5h10
